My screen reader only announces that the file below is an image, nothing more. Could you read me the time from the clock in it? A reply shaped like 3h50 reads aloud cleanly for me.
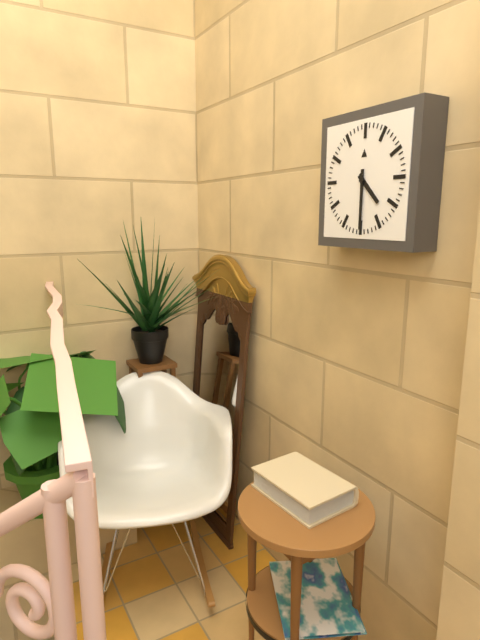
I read 4h30
